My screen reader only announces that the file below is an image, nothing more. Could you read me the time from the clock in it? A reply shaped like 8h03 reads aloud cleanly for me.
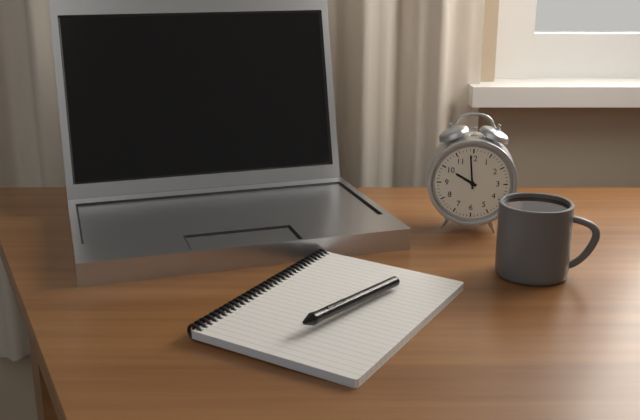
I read 9h59
